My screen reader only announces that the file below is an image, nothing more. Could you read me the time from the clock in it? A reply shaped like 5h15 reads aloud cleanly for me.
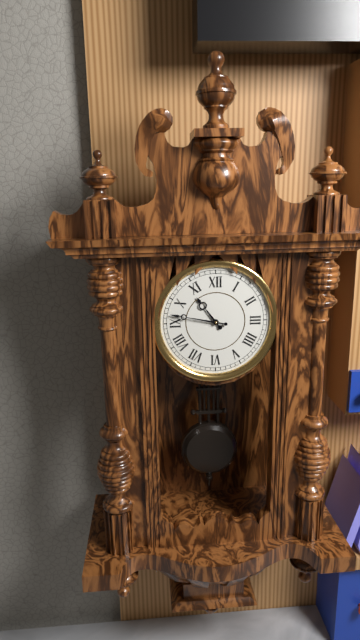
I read 10h47
